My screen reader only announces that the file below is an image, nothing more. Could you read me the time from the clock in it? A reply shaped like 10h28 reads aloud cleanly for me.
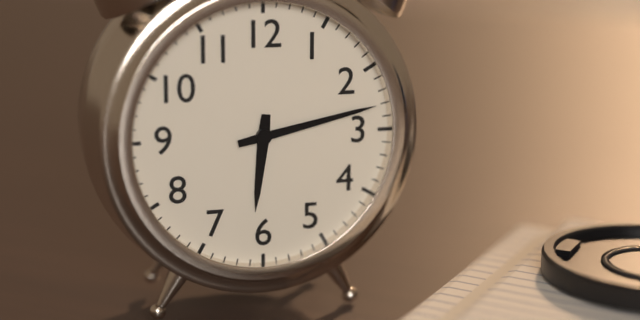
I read 6h13
